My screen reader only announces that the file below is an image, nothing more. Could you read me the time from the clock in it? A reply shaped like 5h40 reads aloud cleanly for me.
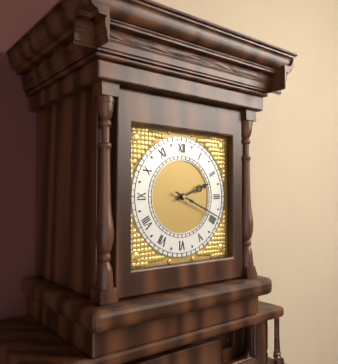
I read 2h19
